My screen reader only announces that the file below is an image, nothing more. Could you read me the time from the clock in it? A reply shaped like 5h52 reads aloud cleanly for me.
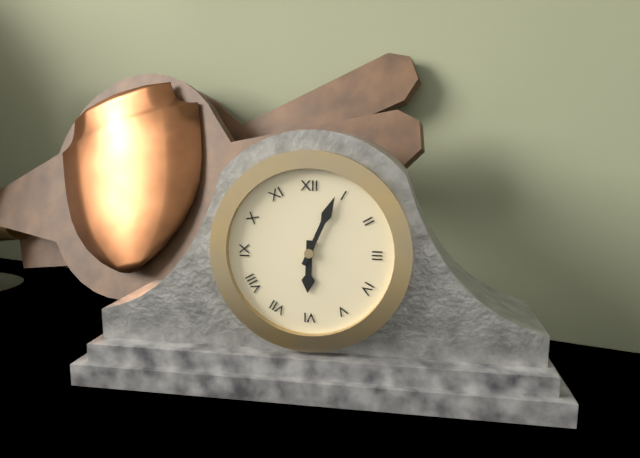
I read 6h04
